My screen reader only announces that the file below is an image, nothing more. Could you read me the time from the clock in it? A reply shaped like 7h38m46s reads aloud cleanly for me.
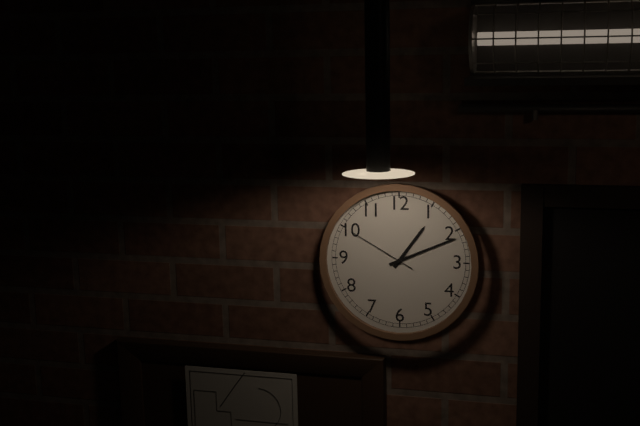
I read 1h11m50s
